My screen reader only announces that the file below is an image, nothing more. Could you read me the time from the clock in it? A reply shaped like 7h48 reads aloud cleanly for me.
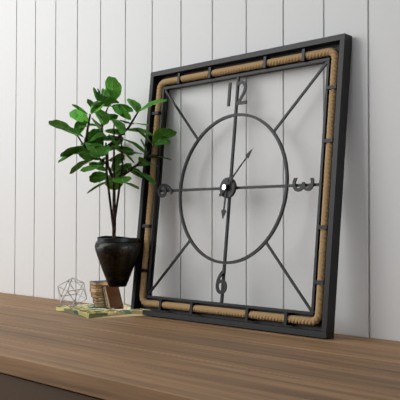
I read 6h07
